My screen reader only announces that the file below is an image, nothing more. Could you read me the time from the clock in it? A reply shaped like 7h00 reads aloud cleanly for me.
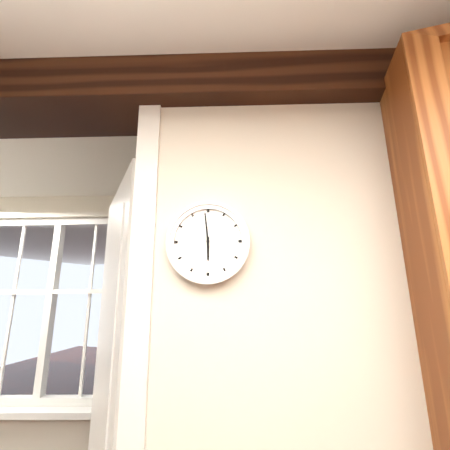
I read 5h59
